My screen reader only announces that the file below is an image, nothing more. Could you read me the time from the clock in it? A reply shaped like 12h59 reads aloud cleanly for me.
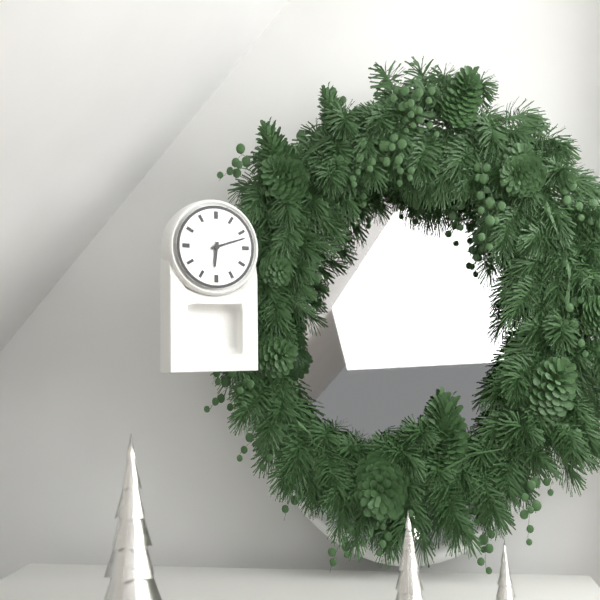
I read 6h12
